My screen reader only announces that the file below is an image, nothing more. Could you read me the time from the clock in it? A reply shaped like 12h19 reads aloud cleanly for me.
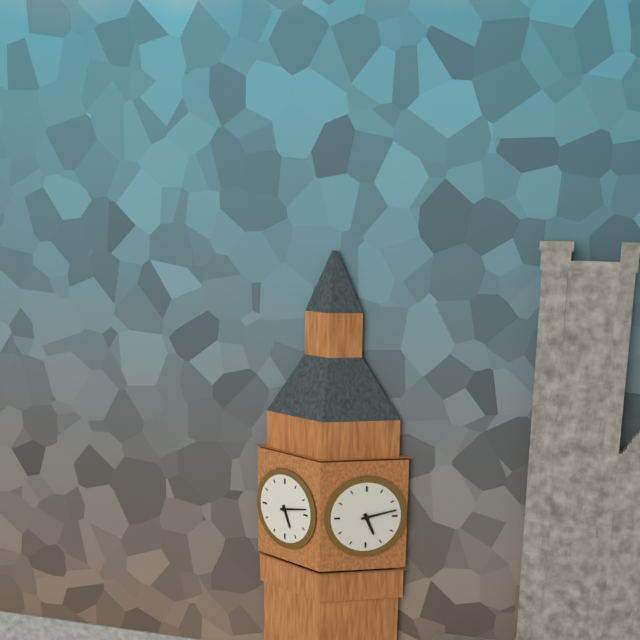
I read 5h13
